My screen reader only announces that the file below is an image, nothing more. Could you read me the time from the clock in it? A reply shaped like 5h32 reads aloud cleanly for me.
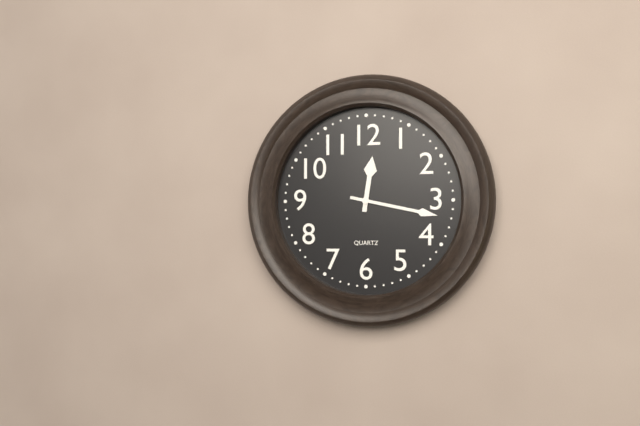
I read 12h17
